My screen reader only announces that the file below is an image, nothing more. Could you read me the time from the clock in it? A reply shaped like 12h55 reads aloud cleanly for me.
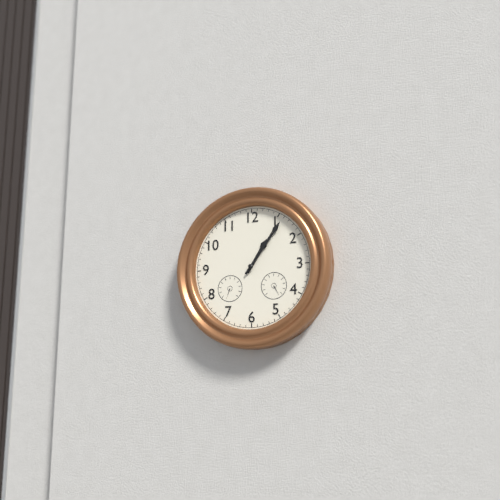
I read 1h06
